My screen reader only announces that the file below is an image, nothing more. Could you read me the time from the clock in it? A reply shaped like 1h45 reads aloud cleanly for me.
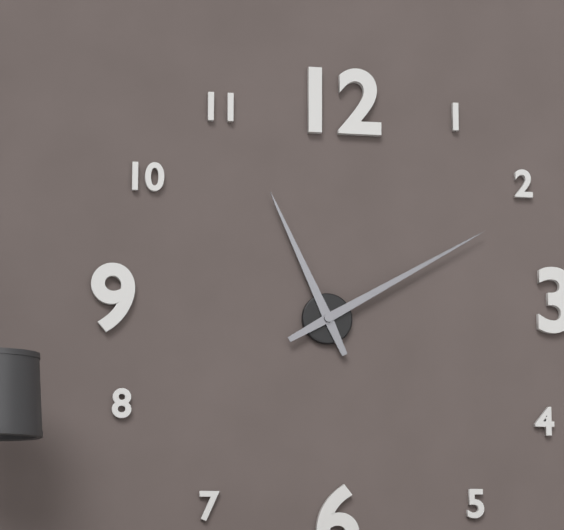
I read 11h10
